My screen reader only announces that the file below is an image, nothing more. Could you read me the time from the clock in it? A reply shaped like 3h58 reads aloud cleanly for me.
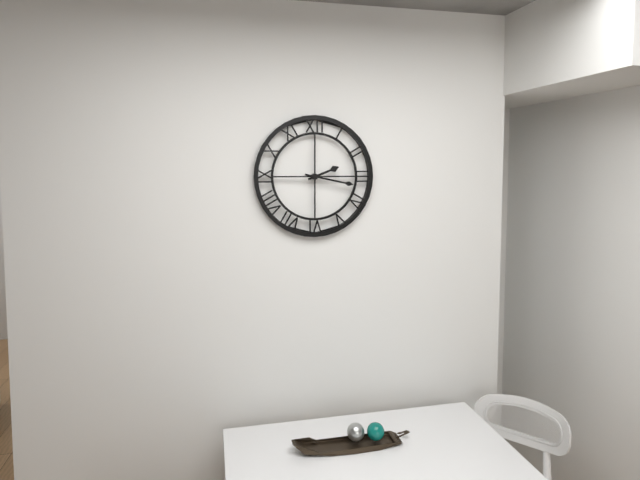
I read 2h17
